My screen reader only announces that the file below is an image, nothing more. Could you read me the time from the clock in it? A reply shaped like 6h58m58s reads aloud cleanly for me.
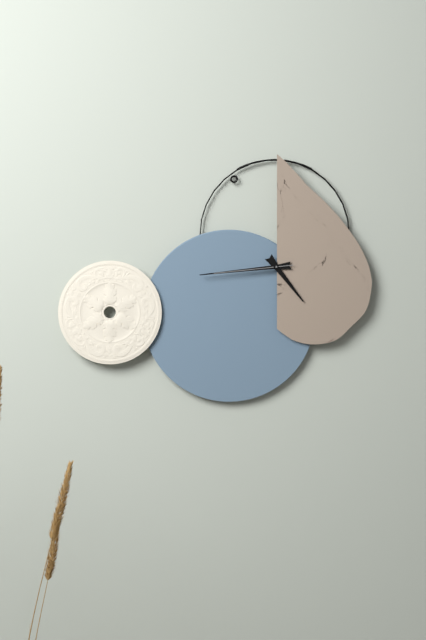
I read 4h44m44s
